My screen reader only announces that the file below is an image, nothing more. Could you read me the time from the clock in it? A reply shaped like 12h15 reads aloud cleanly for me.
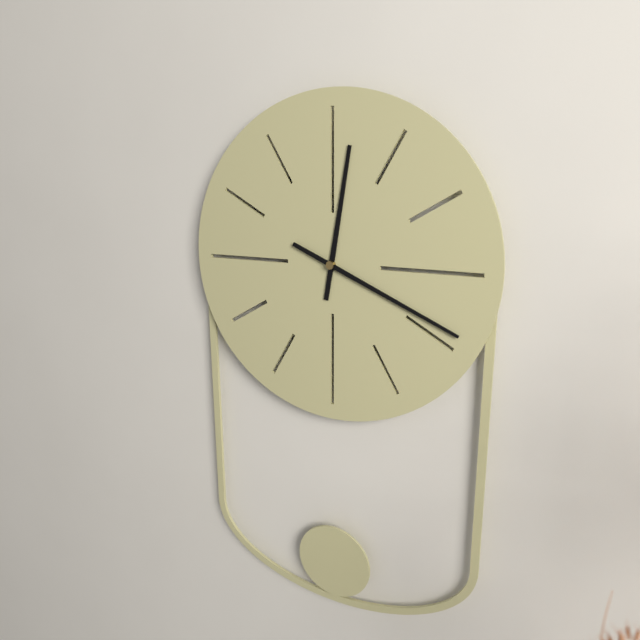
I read 12h19
